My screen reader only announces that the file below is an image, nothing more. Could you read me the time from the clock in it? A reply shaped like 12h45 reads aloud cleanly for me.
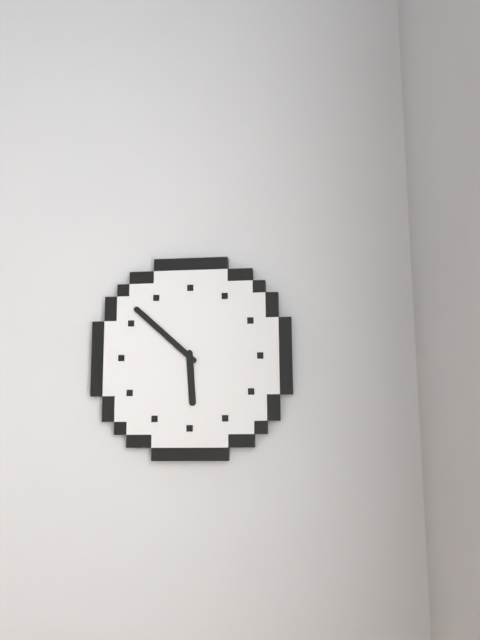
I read 5h52
